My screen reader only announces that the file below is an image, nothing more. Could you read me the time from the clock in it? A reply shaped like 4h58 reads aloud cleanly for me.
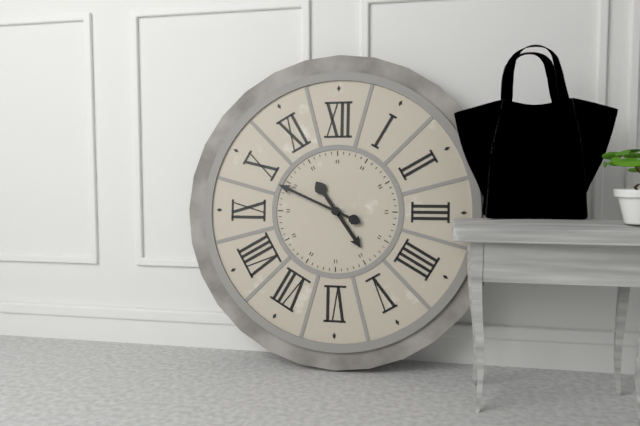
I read 4h49
